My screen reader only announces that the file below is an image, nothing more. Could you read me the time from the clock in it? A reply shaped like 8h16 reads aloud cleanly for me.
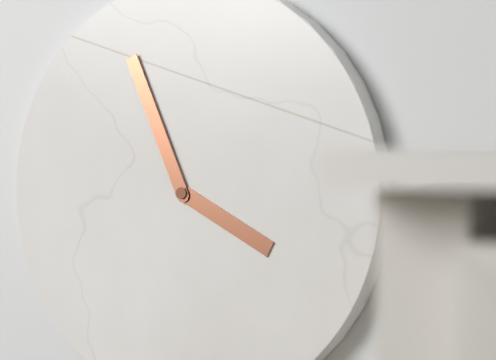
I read 3h56
